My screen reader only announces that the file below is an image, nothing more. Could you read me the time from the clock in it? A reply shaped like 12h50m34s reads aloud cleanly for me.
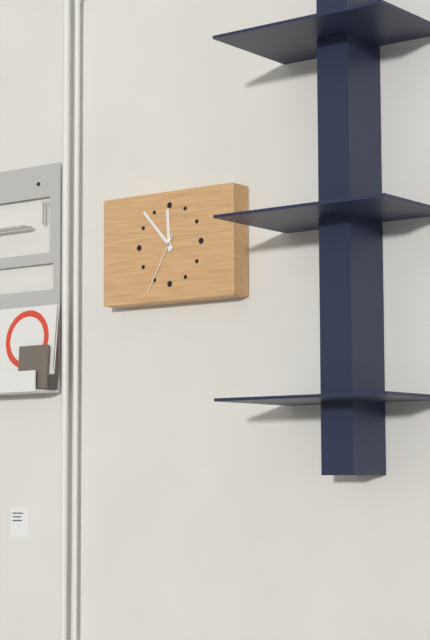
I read 11h53m35s
